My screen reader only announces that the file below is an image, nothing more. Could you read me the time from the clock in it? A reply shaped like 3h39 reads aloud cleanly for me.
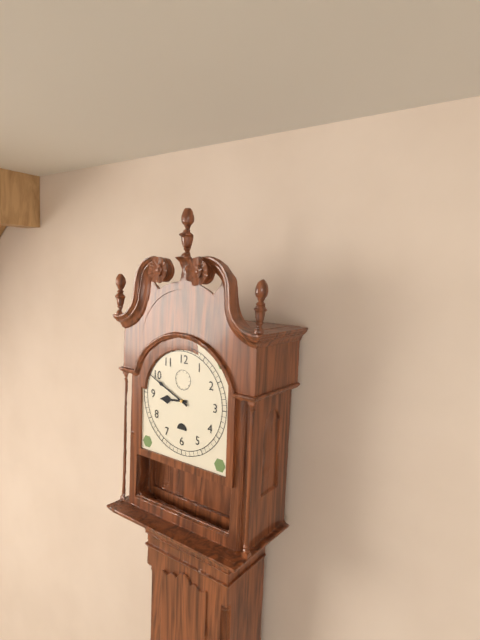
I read 8h49
